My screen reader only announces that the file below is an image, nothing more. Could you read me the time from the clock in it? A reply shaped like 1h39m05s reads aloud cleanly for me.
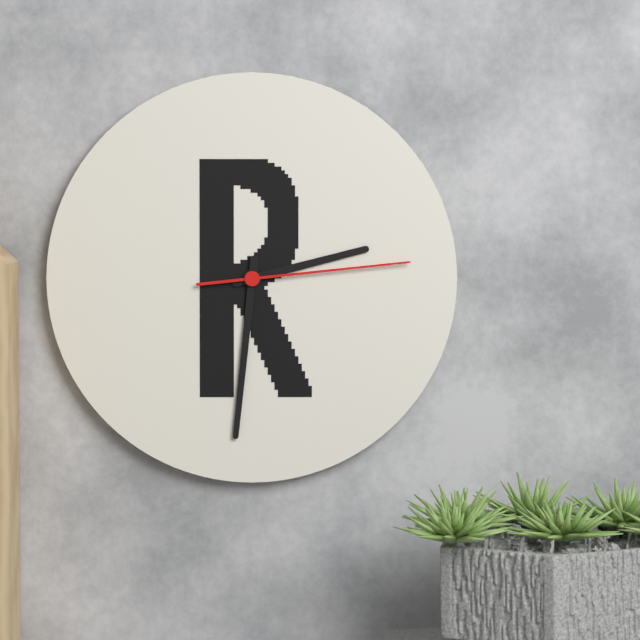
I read 2h31m14s
